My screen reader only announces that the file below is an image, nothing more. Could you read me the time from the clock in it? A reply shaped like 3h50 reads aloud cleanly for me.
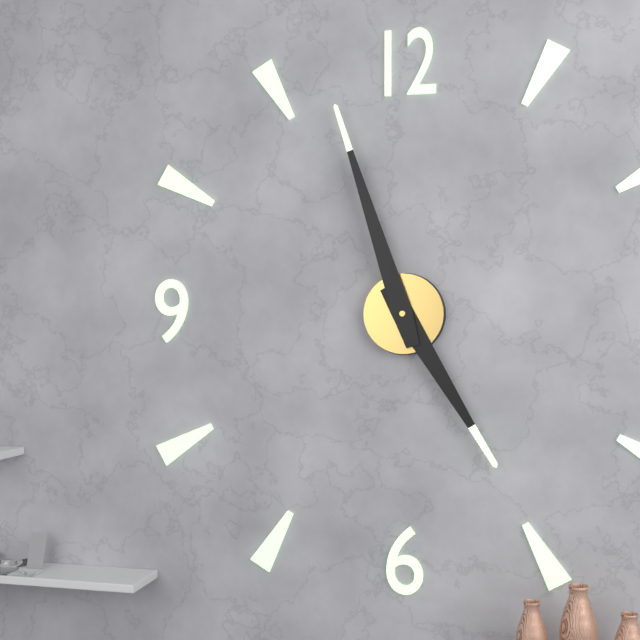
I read 4h57
